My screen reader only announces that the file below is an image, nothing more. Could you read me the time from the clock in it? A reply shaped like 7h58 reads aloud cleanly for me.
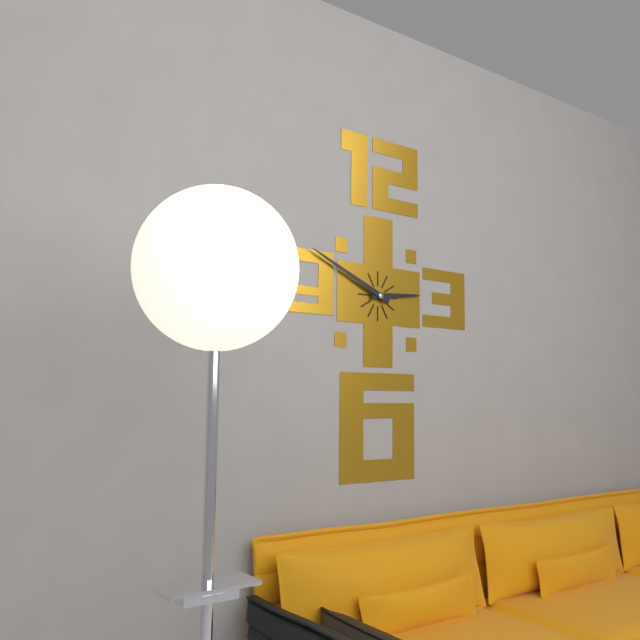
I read 2h49
